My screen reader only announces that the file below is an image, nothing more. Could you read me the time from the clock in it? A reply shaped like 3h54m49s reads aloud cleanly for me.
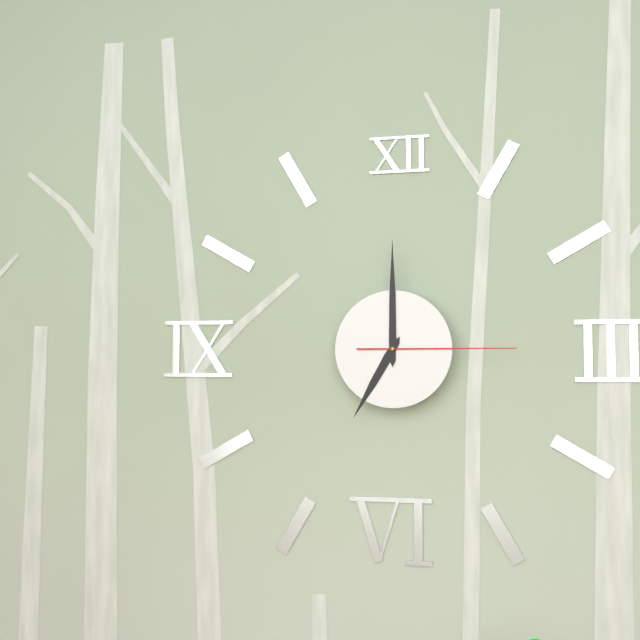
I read 7h00m15s
